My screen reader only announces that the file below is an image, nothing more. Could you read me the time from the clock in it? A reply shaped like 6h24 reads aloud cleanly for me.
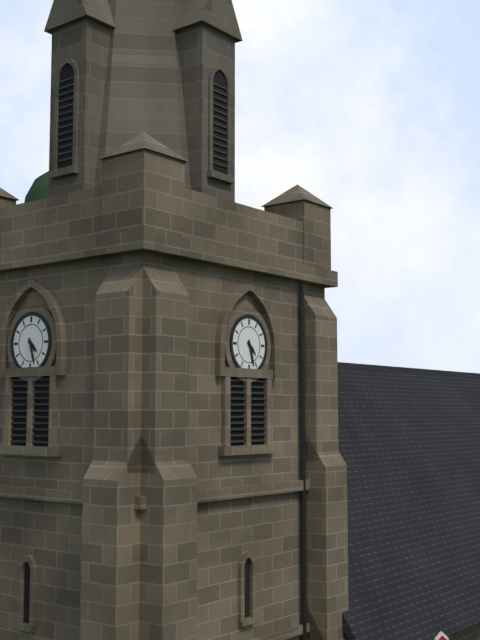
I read 4h27
